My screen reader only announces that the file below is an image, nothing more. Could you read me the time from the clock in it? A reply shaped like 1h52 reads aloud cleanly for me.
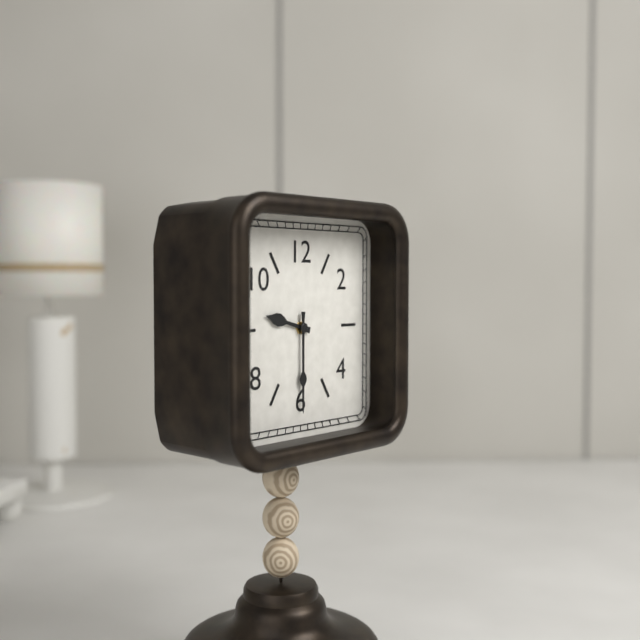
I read 9h30
